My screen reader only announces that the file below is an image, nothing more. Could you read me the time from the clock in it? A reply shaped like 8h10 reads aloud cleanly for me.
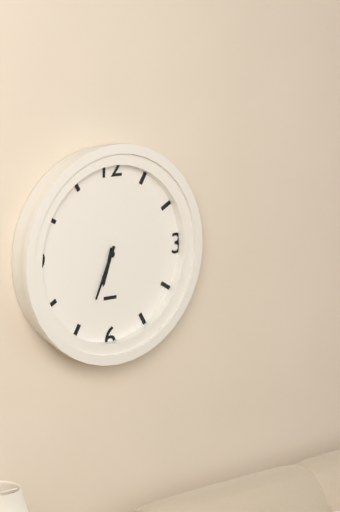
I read 6h34
